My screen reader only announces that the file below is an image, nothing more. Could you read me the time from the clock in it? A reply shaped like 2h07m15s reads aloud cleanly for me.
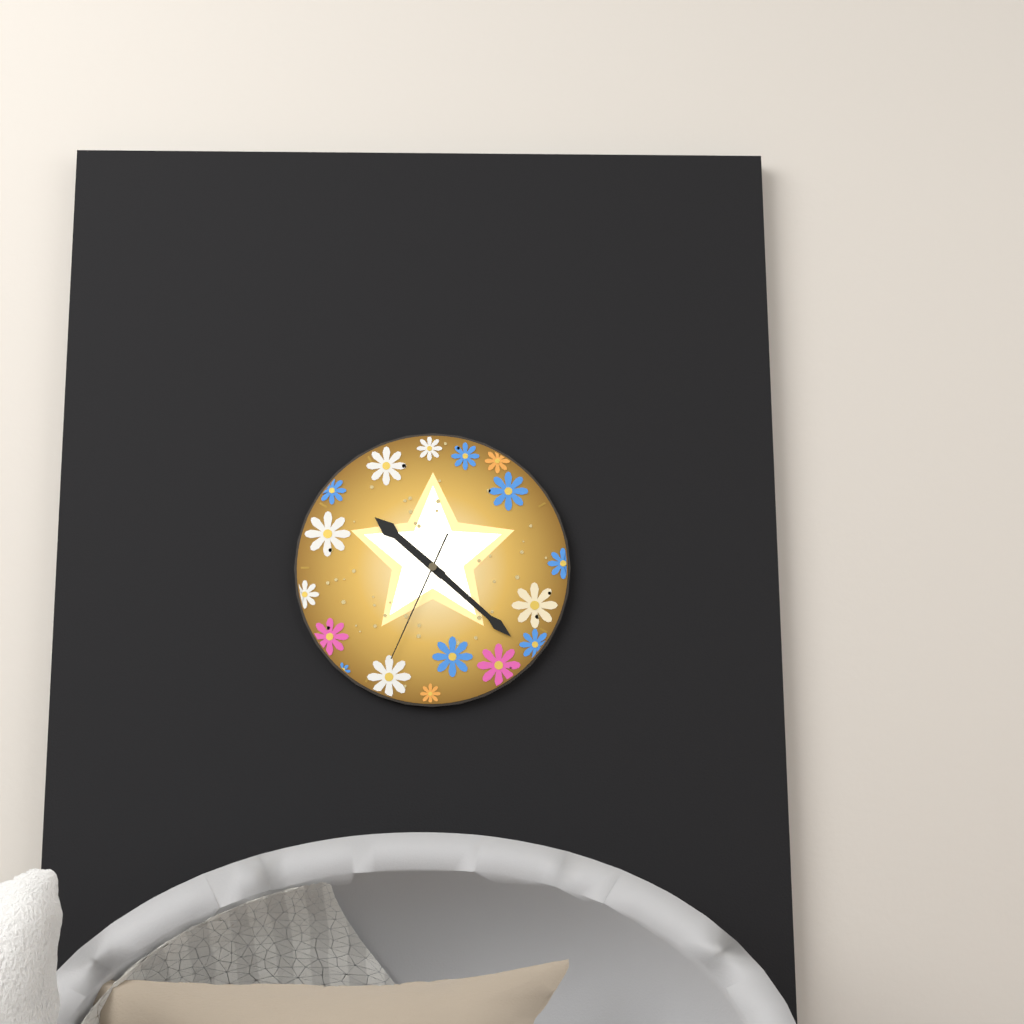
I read 10h22m34s
